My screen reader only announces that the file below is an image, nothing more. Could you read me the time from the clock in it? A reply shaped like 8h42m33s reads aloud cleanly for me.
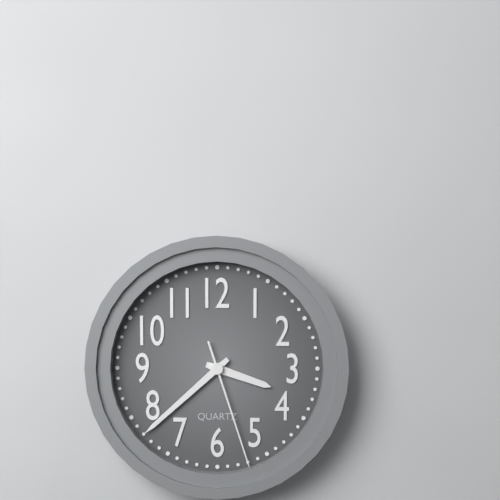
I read 3h38m27s
